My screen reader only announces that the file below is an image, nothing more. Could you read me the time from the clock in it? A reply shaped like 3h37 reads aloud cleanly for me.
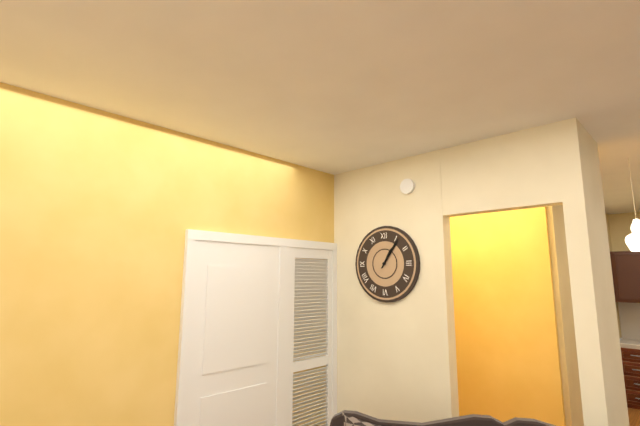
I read 1h06
